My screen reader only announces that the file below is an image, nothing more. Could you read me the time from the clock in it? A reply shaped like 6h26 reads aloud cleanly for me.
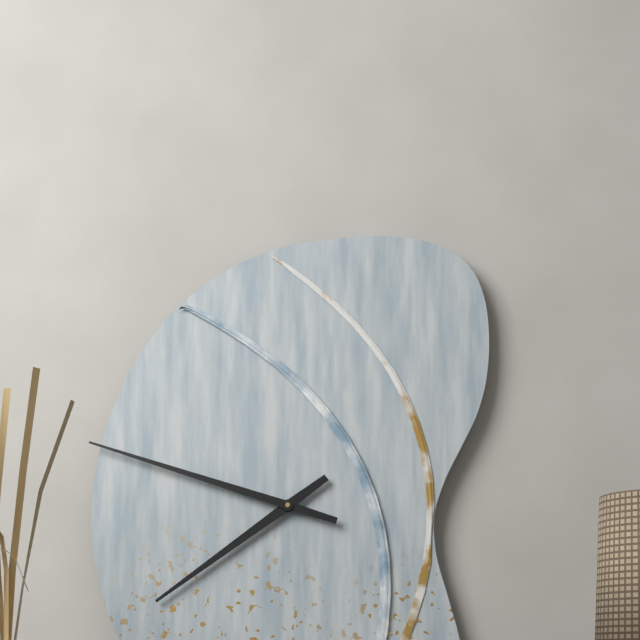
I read 7h48
